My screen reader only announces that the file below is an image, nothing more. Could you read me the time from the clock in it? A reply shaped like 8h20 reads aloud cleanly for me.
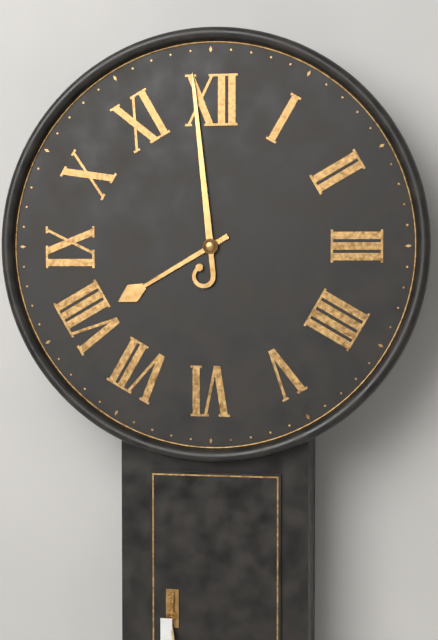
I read 7h59
